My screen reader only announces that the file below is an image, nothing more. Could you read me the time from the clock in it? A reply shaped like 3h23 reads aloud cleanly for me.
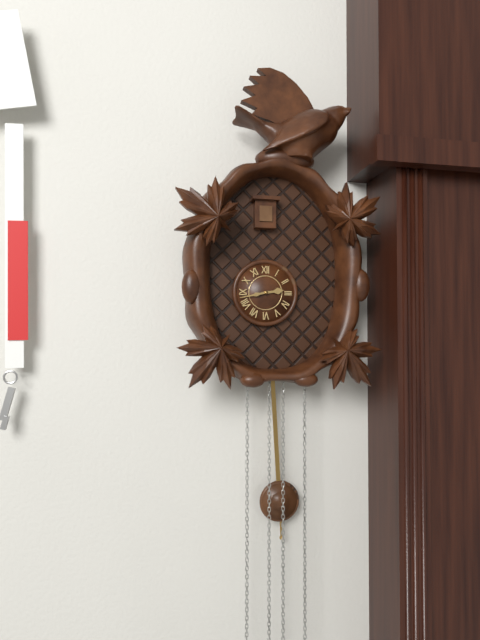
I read 2h43
